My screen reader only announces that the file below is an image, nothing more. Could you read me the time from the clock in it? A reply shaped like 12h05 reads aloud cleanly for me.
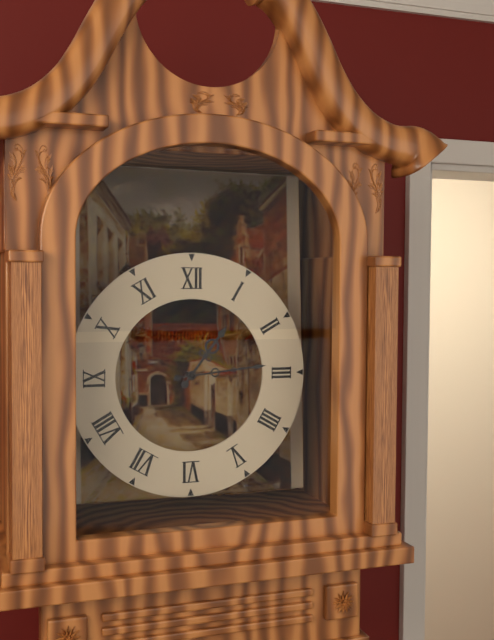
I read 1h14
